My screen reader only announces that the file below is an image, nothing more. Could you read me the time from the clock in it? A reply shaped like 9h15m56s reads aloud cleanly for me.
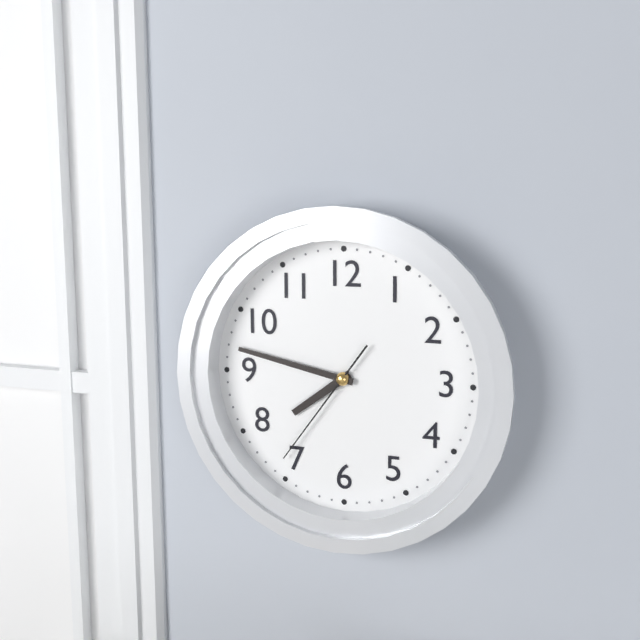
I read 7h47m36s
